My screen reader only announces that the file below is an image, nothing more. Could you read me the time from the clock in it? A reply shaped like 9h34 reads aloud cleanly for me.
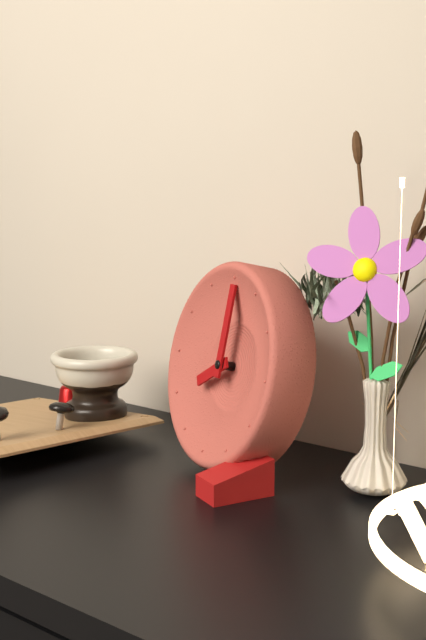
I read 8h00
